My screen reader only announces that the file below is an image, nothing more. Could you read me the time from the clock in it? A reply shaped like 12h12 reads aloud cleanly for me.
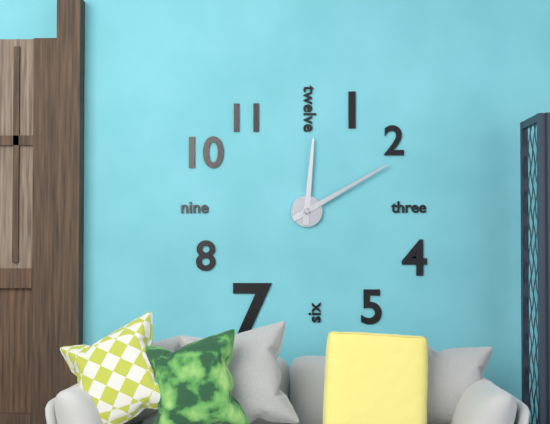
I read 12h10
